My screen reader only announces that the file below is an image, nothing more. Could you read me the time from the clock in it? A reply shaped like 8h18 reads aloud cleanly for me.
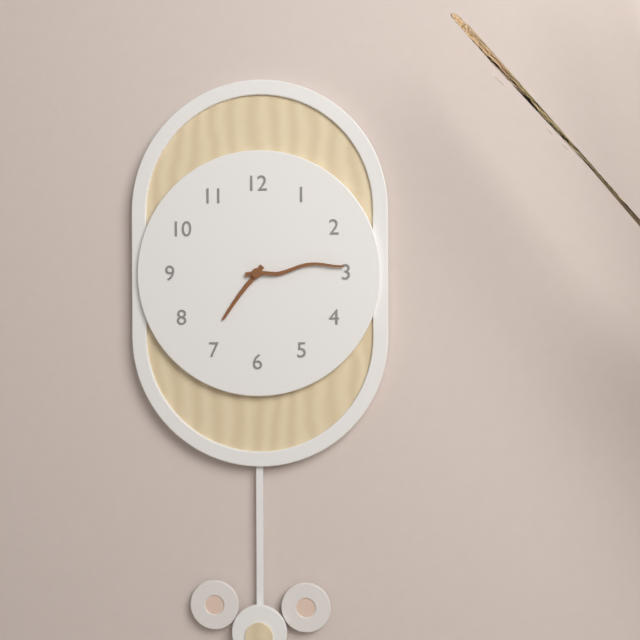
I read 7h14
